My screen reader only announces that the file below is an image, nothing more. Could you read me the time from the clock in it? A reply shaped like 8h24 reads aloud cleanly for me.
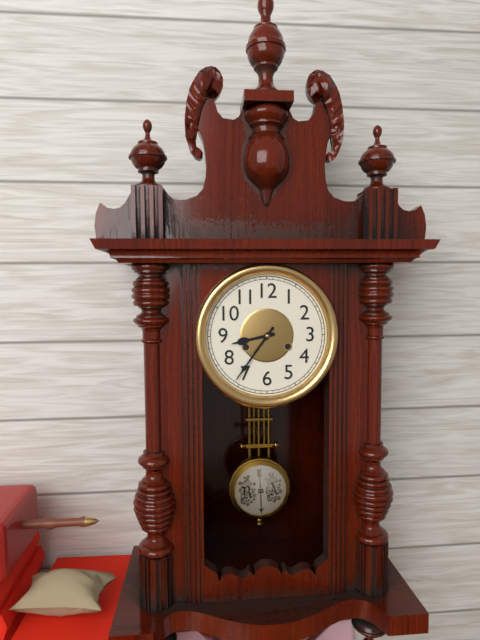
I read 8h36
